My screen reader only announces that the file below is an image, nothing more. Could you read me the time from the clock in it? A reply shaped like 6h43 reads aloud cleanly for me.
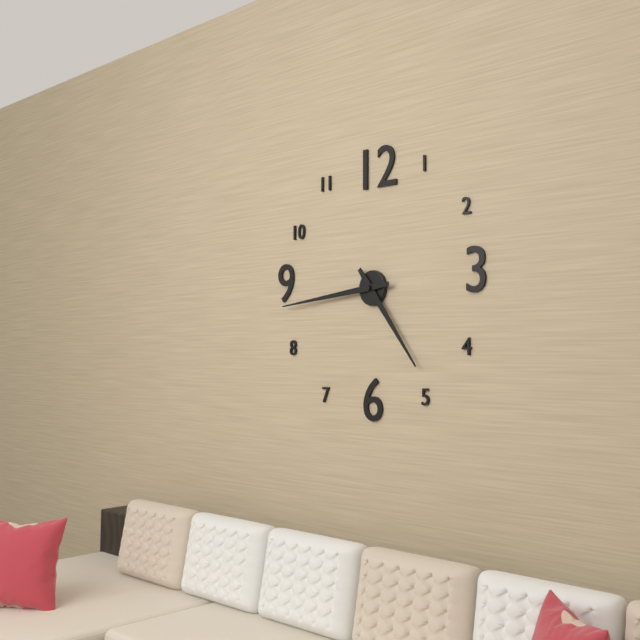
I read 4h44
